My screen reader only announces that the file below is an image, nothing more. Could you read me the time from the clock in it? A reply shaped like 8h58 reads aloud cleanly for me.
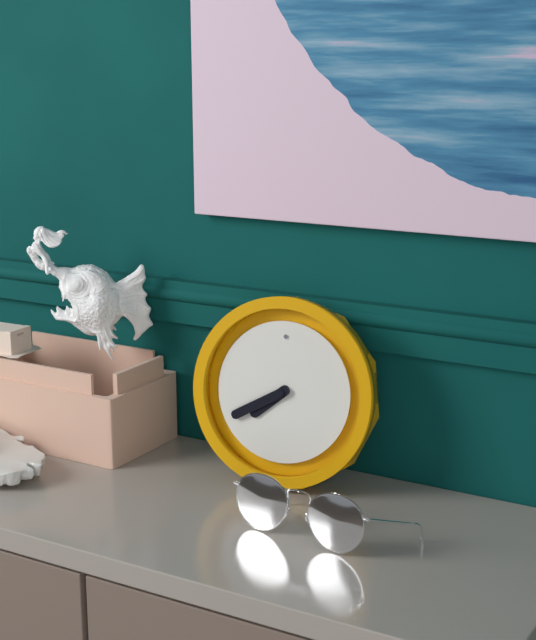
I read 7h40
